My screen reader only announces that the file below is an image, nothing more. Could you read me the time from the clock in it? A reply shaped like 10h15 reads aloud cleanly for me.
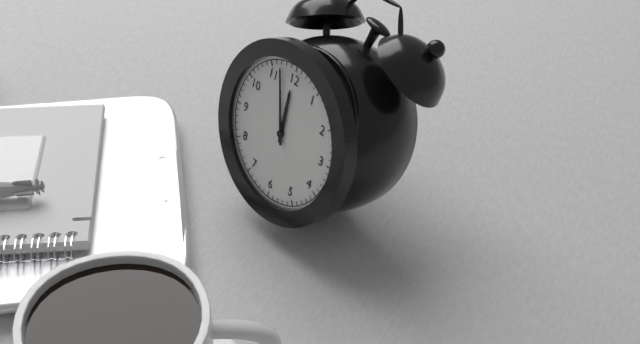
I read 11h57
